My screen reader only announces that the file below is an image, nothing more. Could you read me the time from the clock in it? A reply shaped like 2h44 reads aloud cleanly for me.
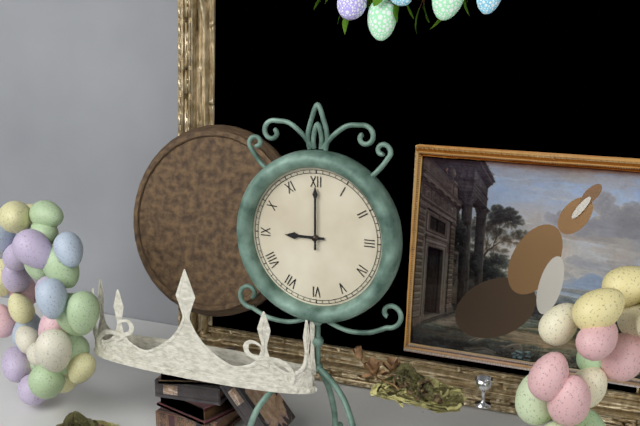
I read 9h00
